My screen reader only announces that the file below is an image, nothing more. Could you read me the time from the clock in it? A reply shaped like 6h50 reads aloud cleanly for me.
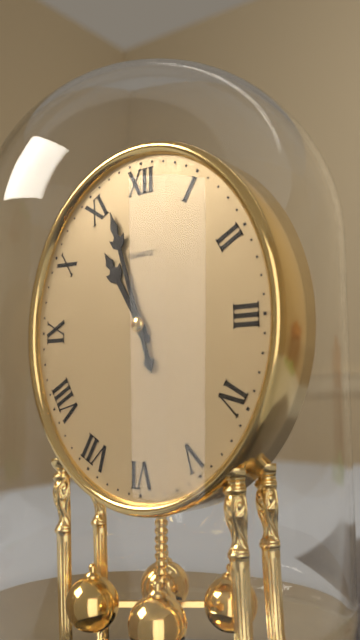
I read 10h57
